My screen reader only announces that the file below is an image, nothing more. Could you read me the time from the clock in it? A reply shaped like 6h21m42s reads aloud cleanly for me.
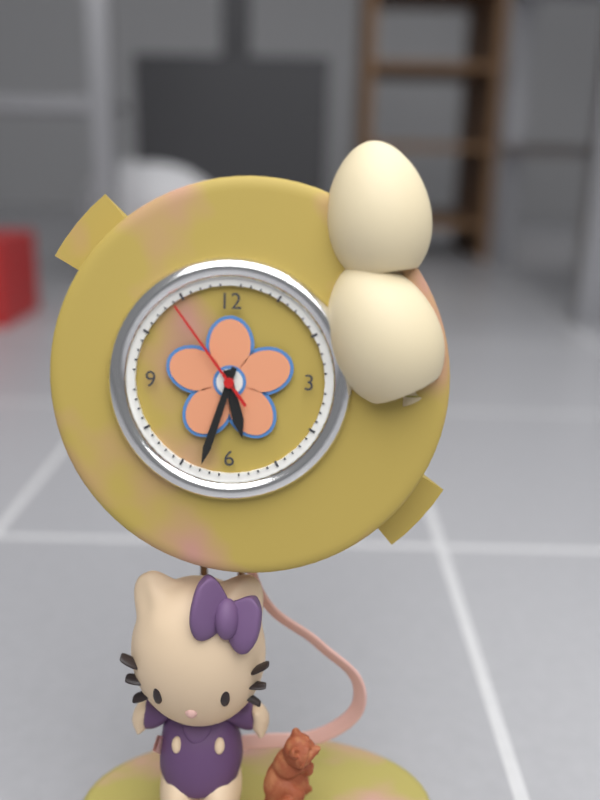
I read 5h33m54s
